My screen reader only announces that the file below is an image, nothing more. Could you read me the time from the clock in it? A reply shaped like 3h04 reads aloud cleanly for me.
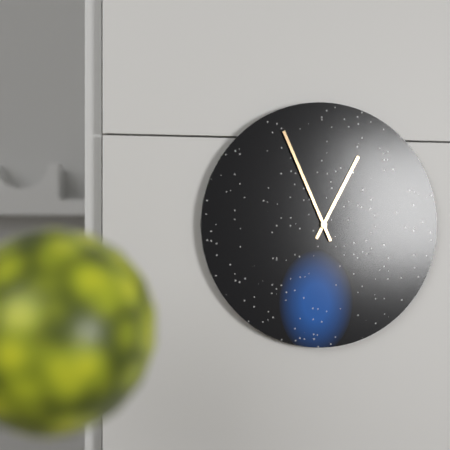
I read 12h56
